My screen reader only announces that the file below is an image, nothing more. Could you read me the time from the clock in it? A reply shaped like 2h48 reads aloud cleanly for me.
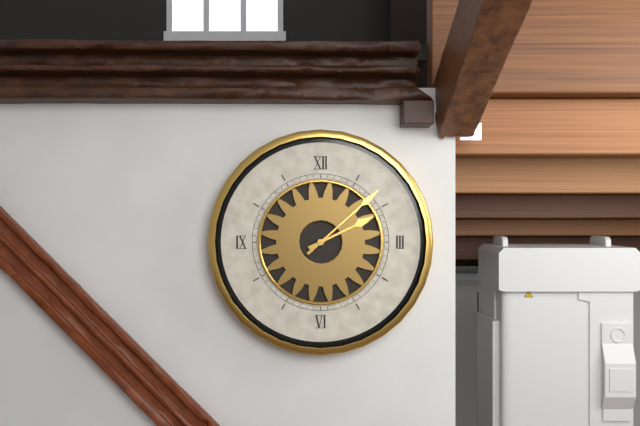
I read 2h08
